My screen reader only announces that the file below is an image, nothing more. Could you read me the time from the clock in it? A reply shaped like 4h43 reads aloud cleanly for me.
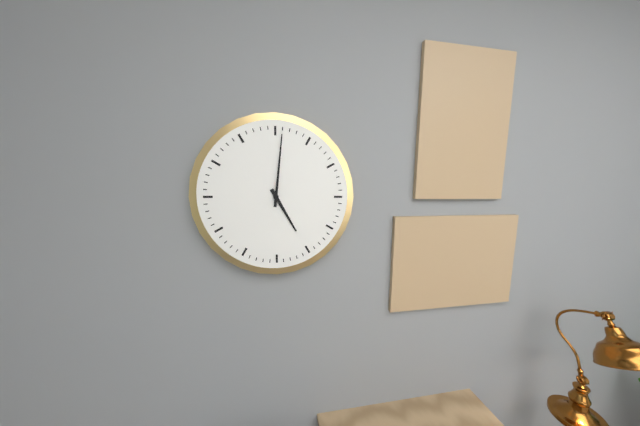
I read 5h01
